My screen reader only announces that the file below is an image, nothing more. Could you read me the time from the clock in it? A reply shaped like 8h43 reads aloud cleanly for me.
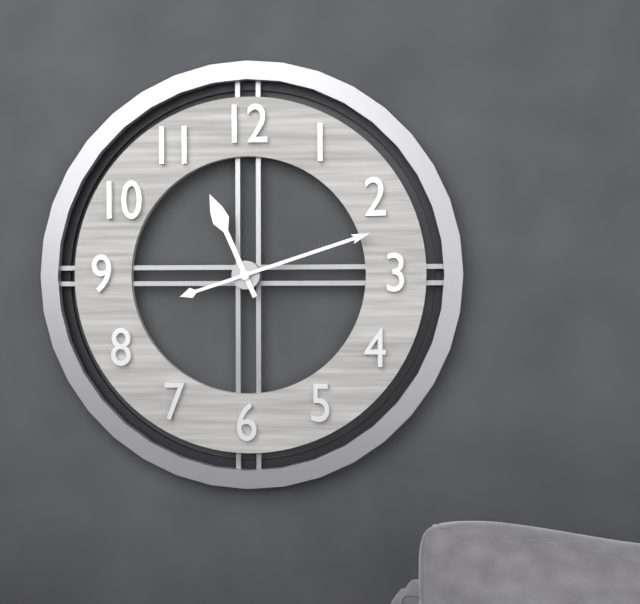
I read 11h12
